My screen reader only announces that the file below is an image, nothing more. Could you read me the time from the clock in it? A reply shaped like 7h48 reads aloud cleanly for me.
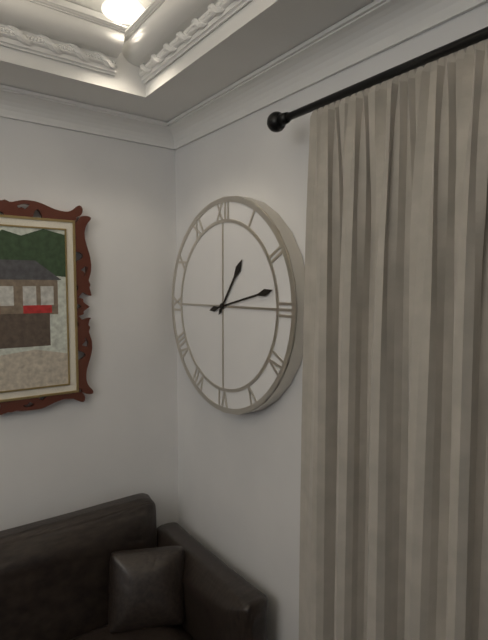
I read 1h13
